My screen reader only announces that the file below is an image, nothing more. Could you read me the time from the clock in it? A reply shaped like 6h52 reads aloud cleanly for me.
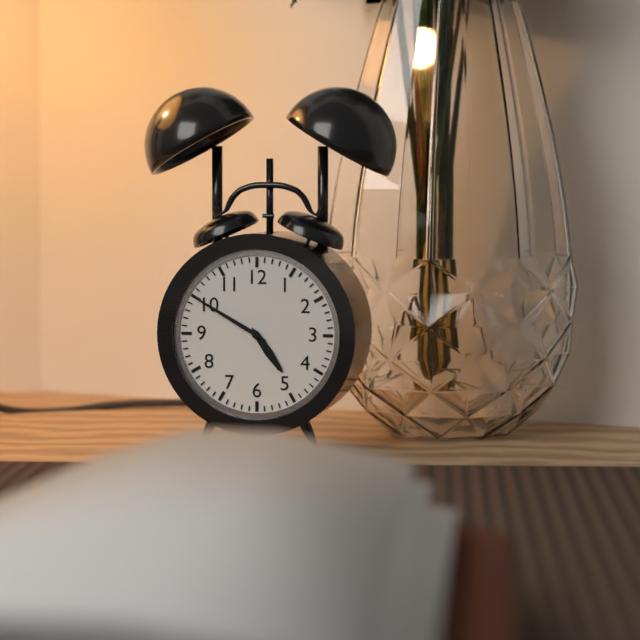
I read 4h50
